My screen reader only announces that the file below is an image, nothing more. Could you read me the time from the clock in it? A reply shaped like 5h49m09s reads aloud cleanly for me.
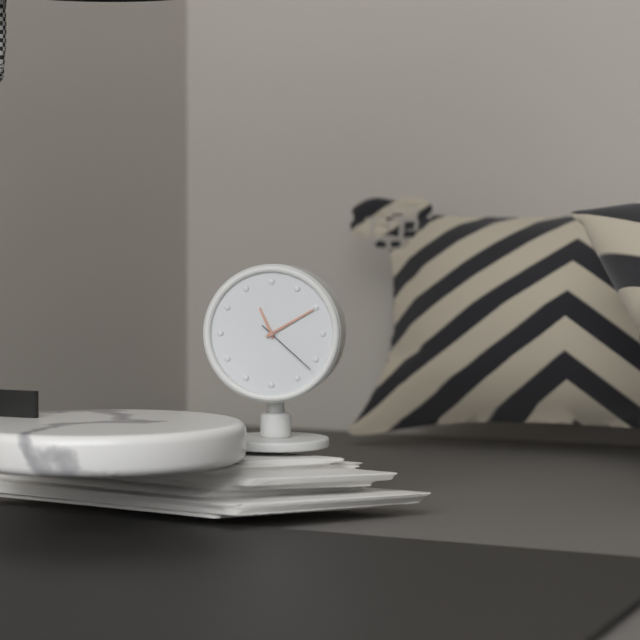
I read 11h10m22s
